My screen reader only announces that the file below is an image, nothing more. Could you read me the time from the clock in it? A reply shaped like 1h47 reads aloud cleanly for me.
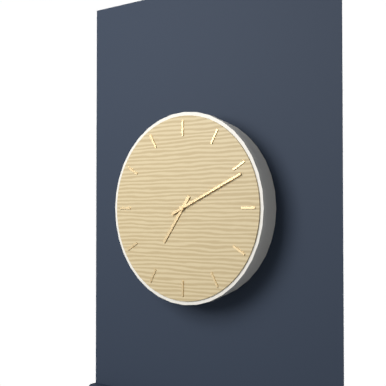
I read 7h11
